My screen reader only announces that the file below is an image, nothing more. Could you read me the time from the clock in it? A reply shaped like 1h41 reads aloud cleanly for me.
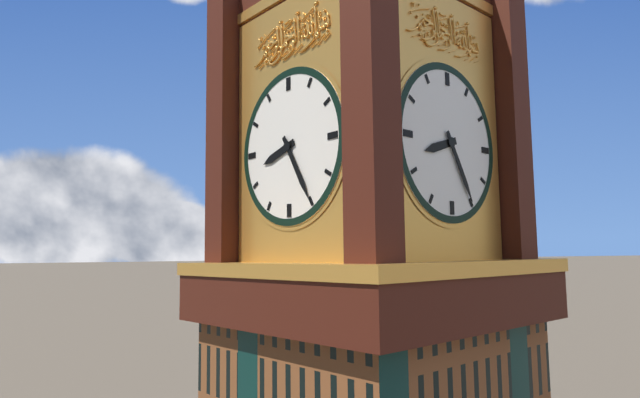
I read 8h25
